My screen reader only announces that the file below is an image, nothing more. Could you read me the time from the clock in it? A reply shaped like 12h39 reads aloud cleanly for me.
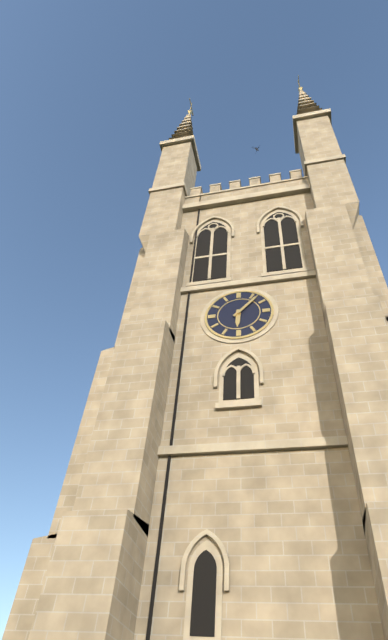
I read 6h07
